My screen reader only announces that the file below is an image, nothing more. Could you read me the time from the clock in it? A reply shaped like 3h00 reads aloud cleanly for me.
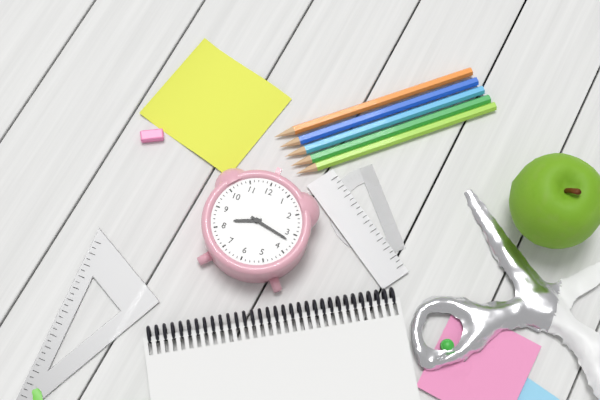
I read 8h17
